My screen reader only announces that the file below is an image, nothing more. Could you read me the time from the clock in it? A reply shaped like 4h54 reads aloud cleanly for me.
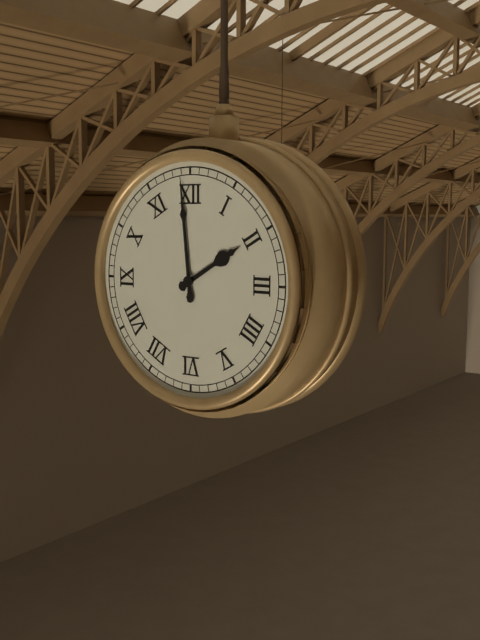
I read 1h59
